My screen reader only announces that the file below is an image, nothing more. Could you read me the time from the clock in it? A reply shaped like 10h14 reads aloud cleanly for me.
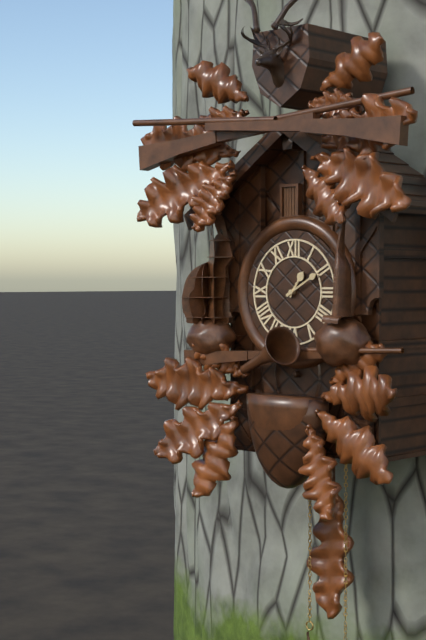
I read 1h10
